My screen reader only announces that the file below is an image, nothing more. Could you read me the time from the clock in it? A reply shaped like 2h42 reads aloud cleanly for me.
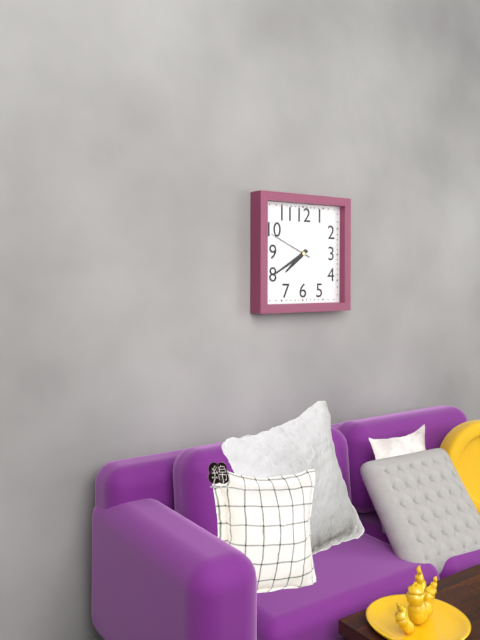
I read 7h40
